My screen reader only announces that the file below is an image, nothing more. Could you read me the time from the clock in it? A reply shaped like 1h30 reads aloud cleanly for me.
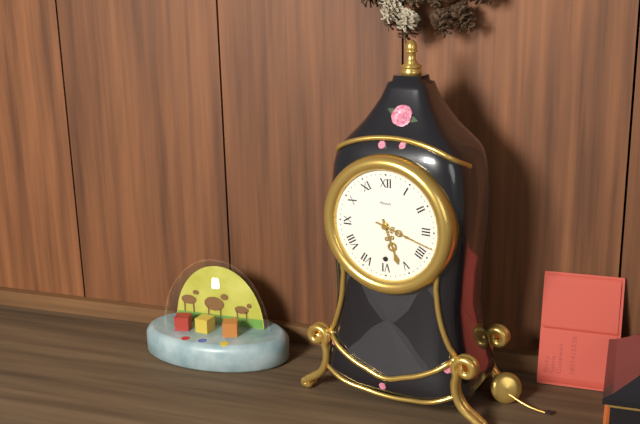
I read 5h18
